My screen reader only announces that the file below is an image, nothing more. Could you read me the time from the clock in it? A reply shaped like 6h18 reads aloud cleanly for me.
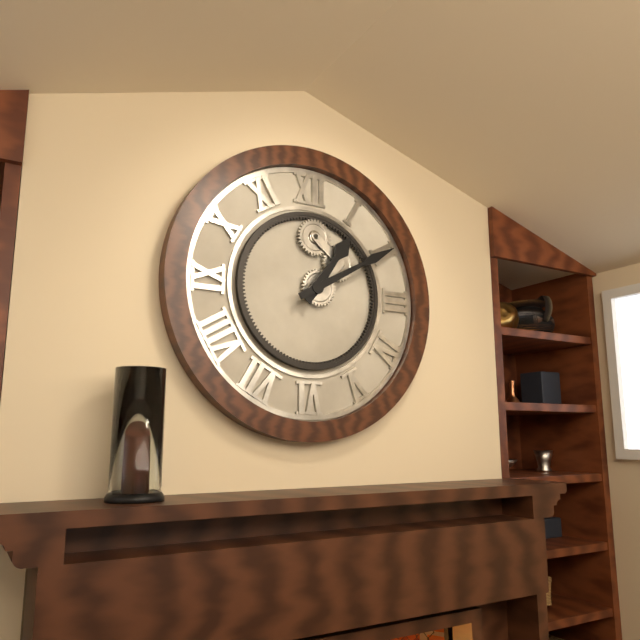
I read 1h10
